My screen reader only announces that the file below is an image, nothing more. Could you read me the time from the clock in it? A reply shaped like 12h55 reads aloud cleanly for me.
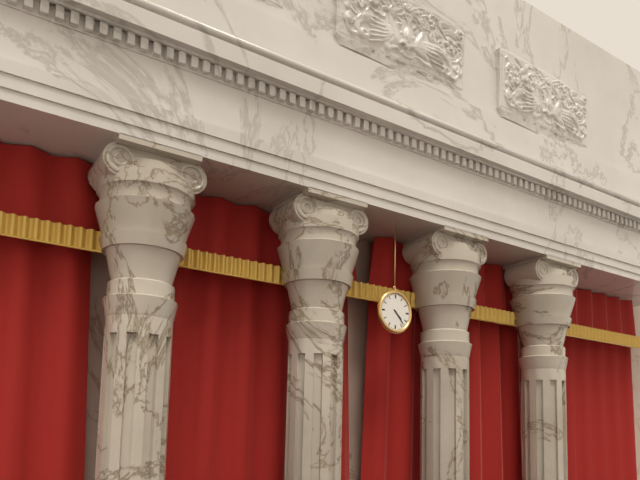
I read 4h23
